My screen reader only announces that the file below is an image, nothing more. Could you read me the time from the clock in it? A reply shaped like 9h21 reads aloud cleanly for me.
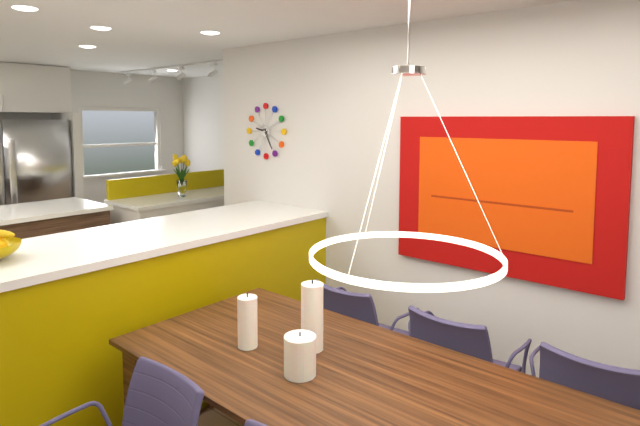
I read 9h25
